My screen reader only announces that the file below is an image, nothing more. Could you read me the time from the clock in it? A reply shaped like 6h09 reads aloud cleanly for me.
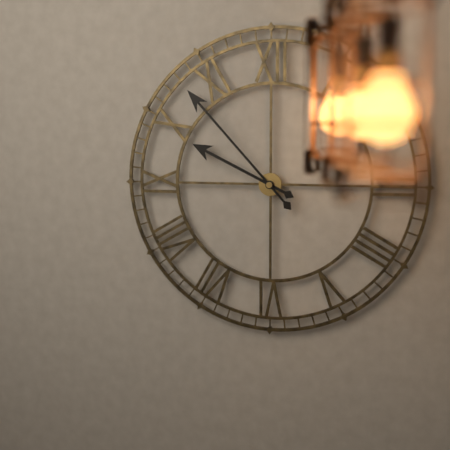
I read 9h53
